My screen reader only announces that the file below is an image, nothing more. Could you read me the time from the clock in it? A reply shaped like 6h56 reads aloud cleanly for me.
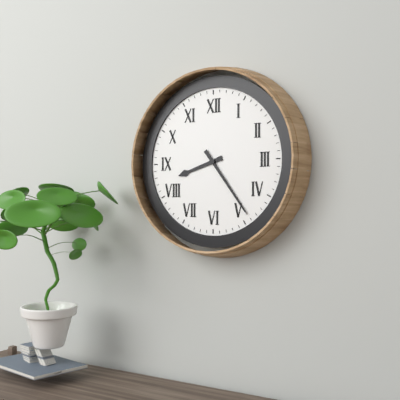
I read 8h24
